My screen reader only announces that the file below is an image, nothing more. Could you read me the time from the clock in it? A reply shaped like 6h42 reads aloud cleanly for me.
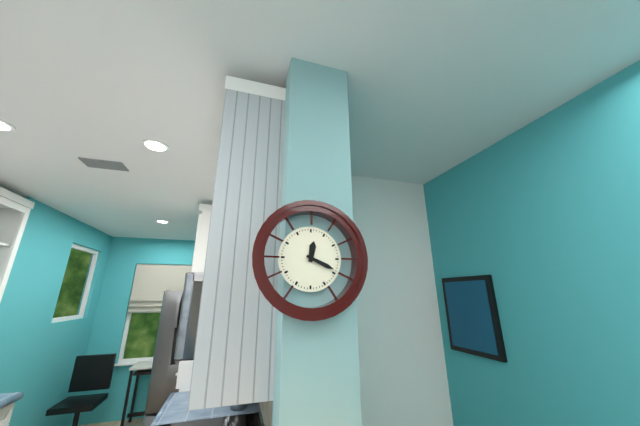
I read 12h19
